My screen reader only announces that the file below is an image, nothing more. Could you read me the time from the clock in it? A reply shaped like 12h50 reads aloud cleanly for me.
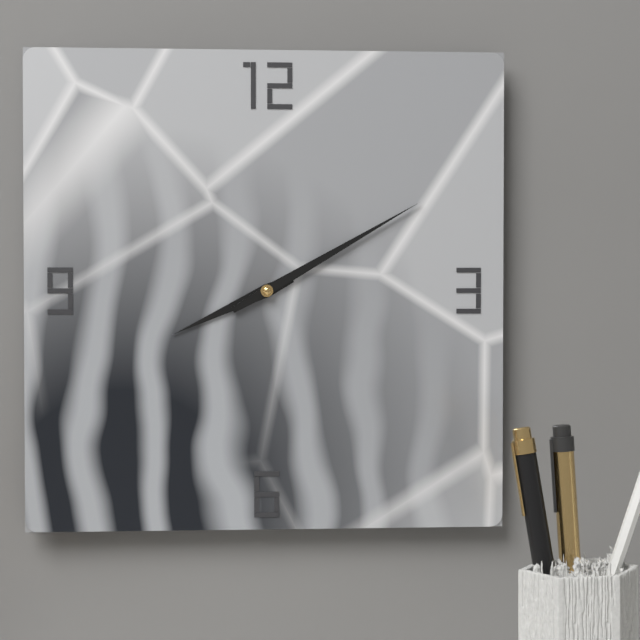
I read 8h10
